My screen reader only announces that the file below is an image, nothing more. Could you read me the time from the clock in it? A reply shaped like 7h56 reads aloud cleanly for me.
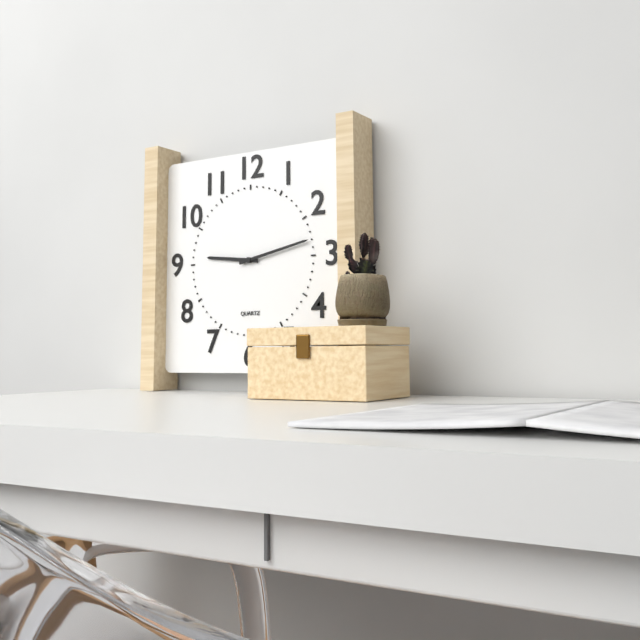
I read 9h13
